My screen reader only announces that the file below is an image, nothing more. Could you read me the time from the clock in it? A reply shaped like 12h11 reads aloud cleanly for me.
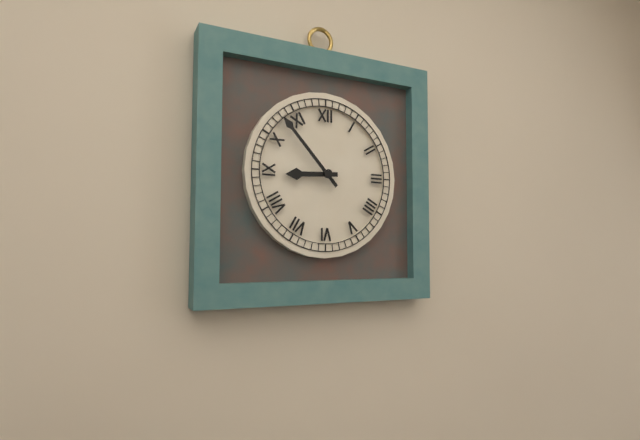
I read 8h53
